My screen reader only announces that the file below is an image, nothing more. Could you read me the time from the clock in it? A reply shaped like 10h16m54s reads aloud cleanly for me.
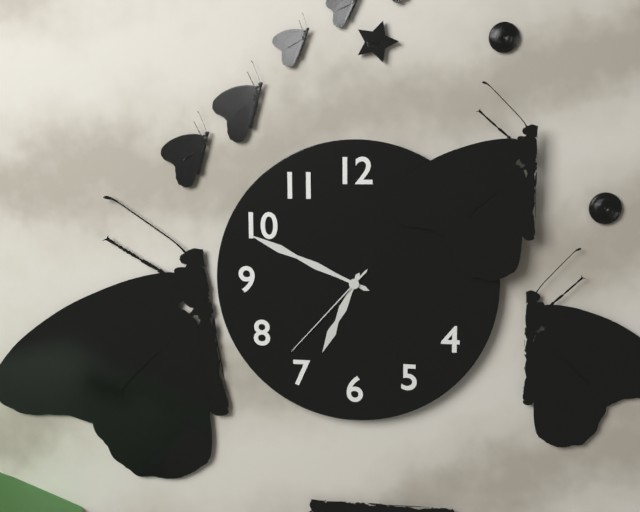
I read 6h49m37s
